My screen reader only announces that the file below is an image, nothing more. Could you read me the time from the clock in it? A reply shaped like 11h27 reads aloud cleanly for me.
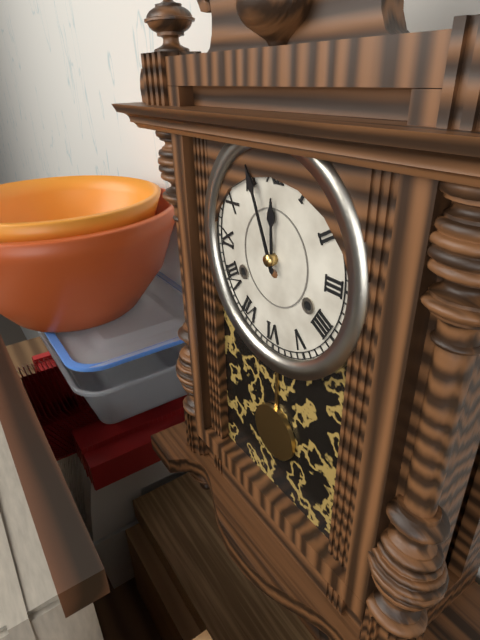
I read 11h56
